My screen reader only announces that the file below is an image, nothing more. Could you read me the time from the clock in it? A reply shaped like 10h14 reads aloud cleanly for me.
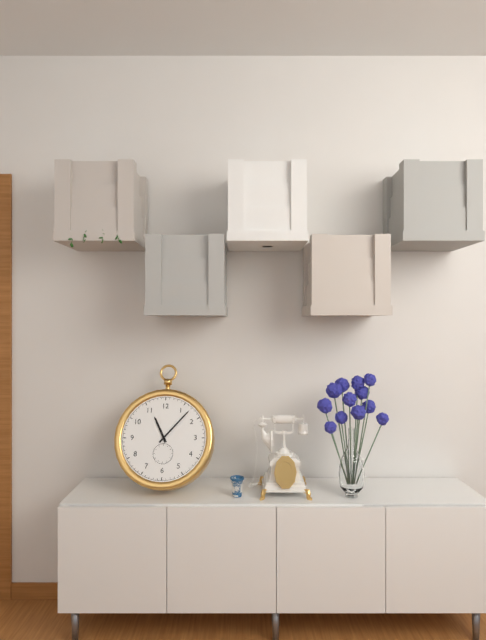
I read 11h07
